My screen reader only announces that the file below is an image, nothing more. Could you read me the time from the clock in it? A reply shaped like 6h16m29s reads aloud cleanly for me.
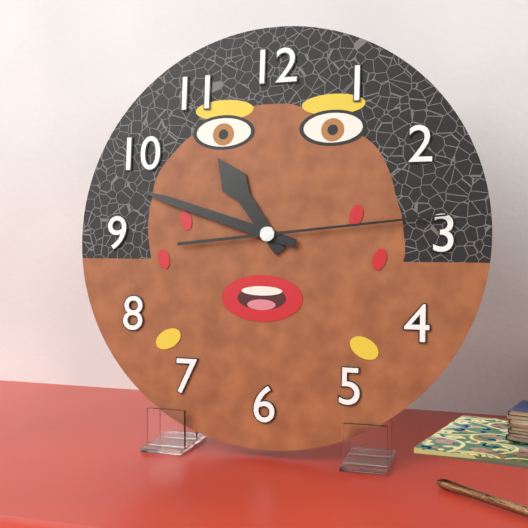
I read 10h48m14s
